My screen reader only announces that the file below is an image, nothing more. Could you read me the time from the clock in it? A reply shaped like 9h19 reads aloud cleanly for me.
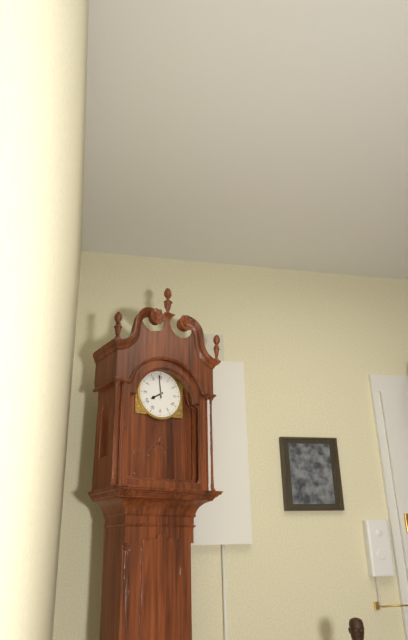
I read 7h59
